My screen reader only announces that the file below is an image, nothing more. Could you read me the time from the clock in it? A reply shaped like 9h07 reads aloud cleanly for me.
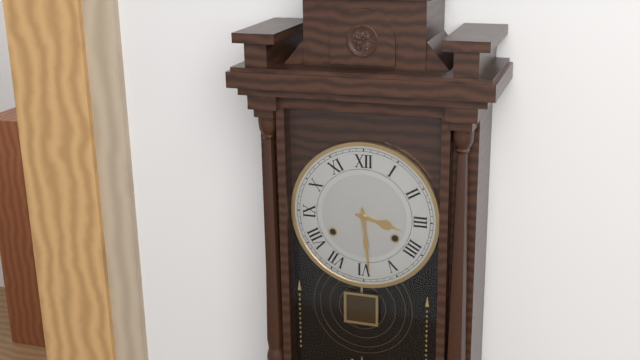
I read 3h29
